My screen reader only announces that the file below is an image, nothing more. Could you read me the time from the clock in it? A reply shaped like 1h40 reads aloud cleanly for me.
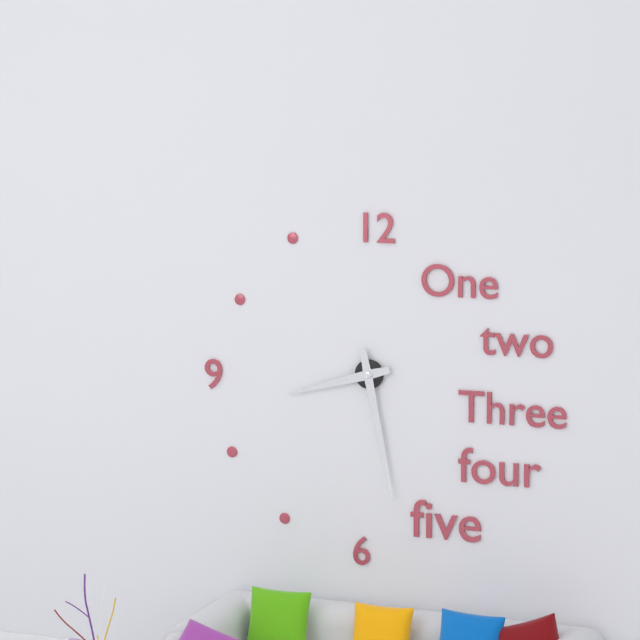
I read 8h28
